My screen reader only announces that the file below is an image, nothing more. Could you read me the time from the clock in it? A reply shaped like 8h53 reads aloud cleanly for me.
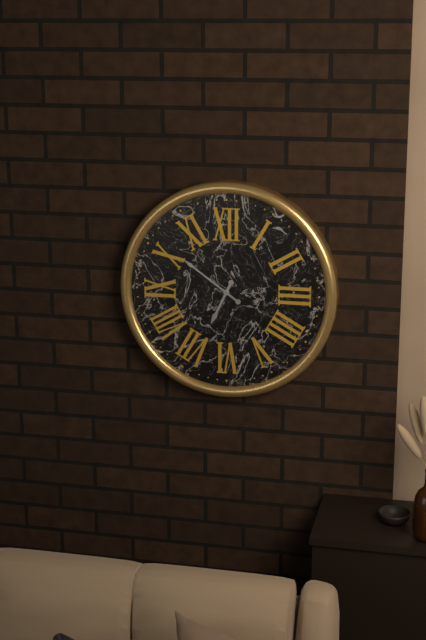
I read 6h51
